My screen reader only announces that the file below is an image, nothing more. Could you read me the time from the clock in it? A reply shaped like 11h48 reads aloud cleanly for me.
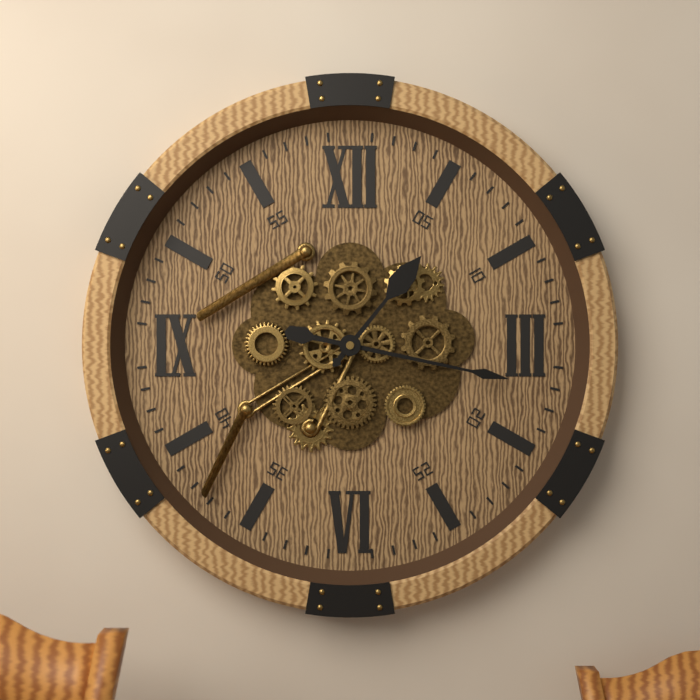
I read 1h17
